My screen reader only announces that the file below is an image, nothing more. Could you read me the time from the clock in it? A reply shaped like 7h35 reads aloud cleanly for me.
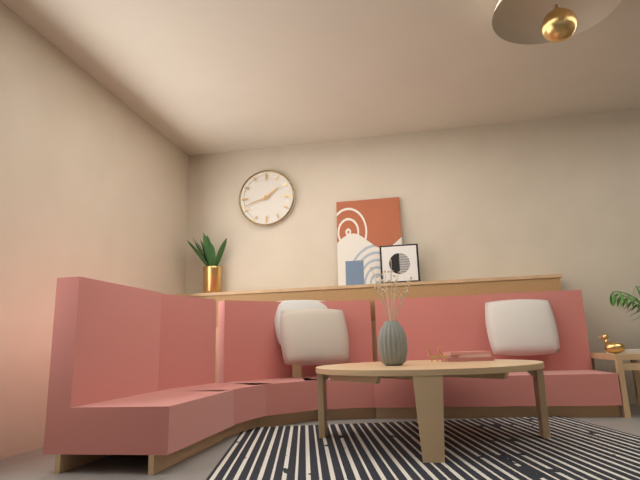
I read 1h42
